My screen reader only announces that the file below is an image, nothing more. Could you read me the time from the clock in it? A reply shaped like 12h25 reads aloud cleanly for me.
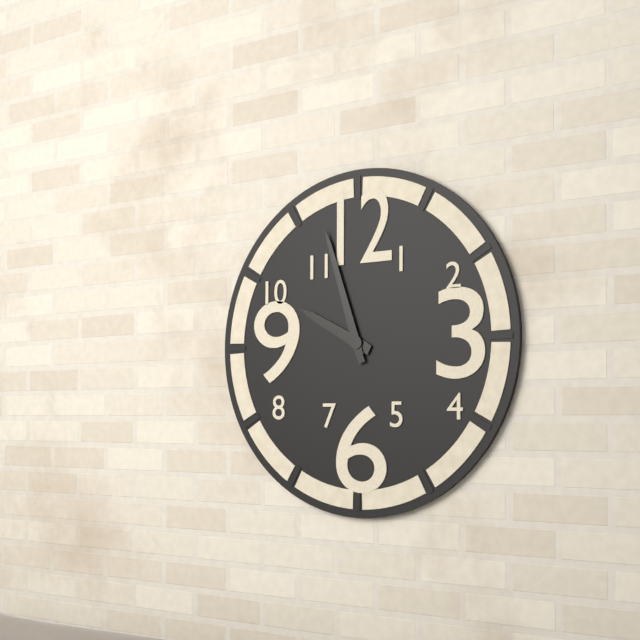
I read 9h57
